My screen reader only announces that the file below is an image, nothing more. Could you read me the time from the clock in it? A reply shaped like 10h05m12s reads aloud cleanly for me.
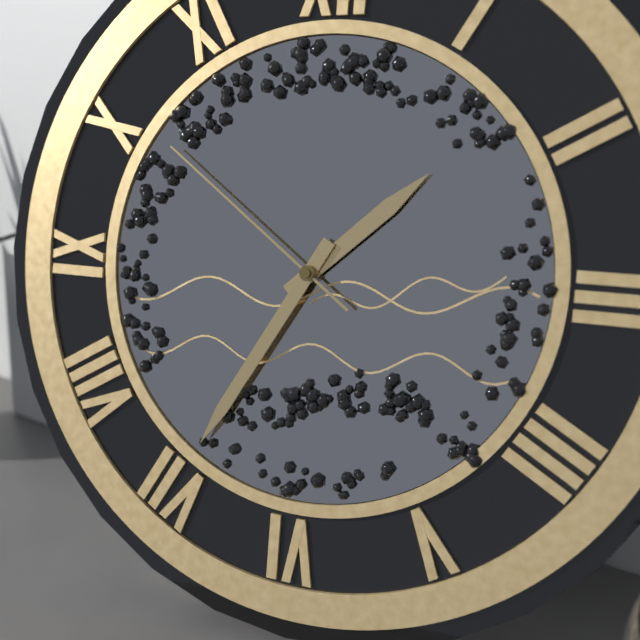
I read 1h35m51s
